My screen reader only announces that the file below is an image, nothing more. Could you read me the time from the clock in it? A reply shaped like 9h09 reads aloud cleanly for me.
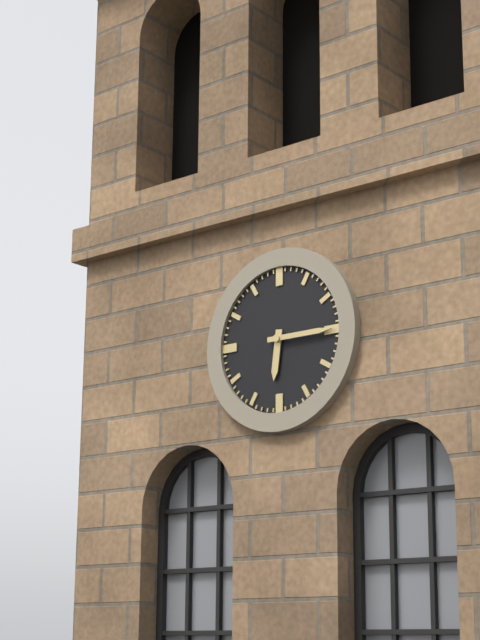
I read 6h15
